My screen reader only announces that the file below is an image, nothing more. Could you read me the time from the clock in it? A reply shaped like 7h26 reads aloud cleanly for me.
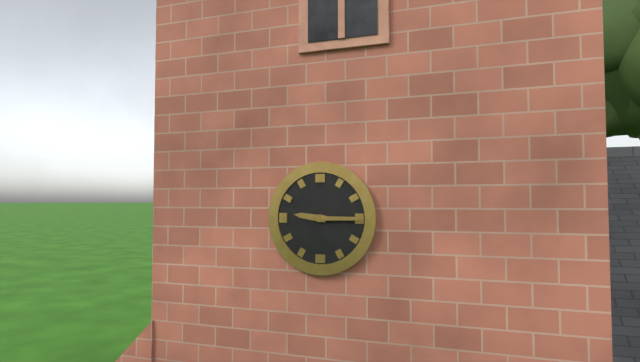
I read 9h15
